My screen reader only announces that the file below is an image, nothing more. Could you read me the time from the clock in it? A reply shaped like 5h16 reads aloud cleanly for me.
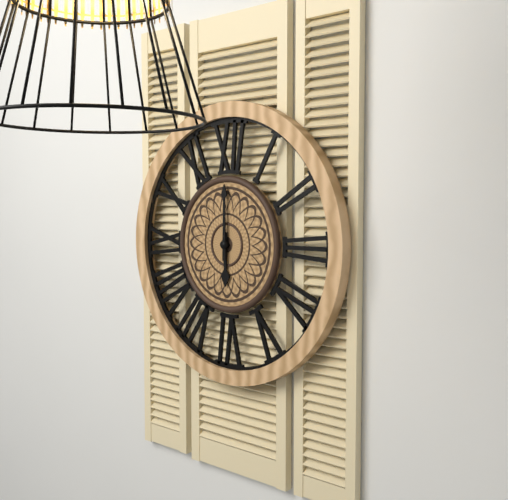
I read 6h00
